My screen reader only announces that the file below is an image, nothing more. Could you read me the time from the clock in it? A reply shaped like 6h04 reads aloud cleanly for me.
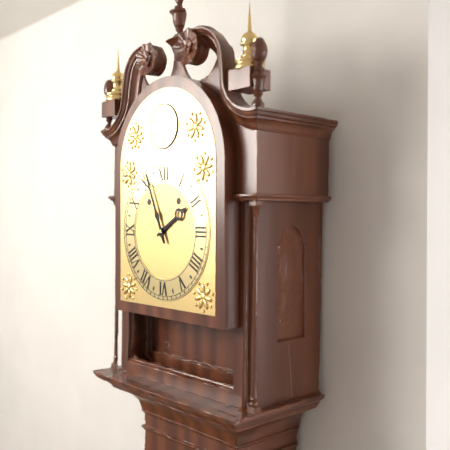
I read 1h56
